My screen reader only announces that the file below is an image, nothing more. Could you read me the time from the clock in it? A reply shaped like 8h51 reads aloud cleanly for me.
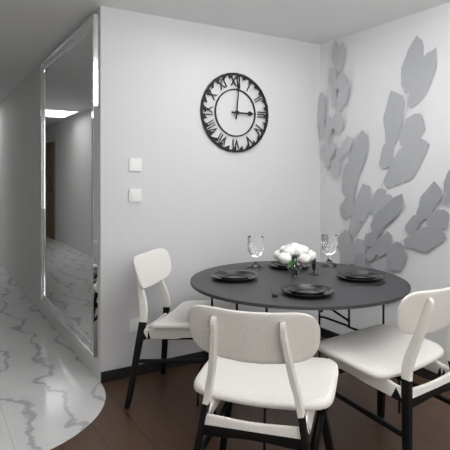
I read 3h01
